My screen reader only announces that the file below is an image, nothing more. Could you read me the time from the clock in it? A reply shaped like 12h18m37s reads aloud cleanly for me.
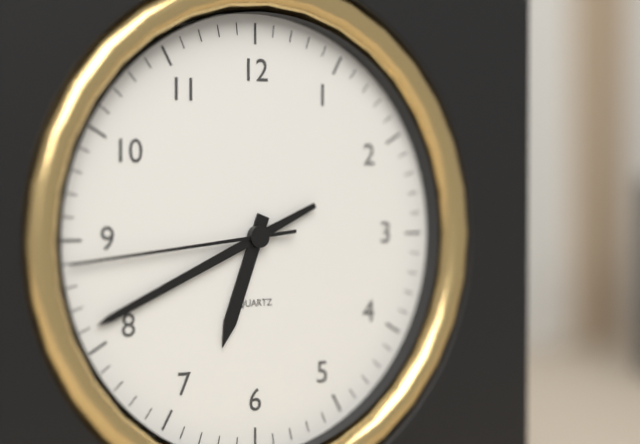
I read 6h41m44s
